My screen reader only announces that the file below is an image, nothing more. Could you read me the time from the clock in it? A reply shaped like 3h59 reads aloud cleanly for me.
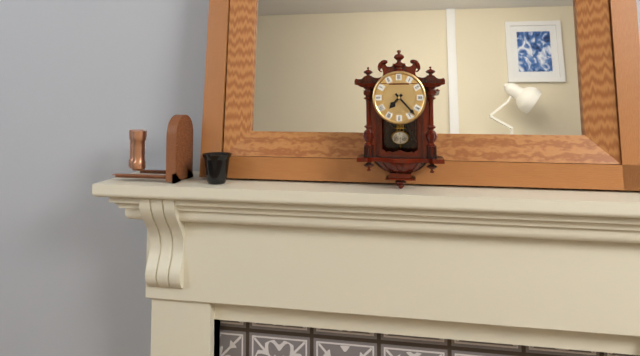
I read 7h23
